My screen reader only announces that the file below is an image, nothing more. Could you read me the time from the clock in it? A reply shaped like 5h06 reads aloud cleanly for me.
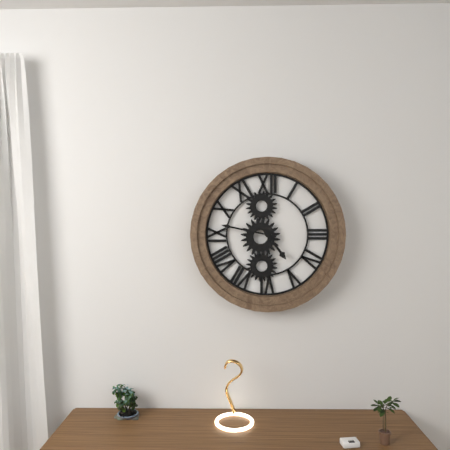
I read 4h47
